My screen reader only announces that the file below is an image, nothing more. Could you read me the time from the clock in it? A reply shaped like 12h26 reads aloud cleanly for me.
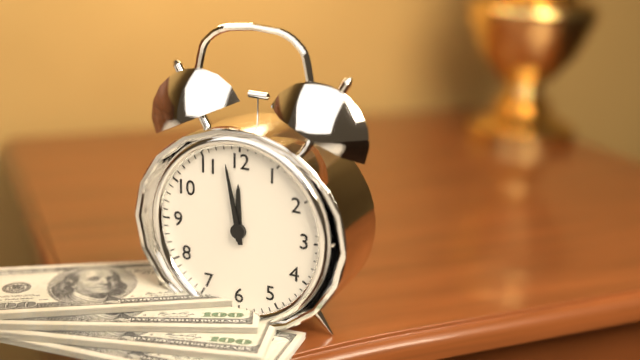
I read 11h58
